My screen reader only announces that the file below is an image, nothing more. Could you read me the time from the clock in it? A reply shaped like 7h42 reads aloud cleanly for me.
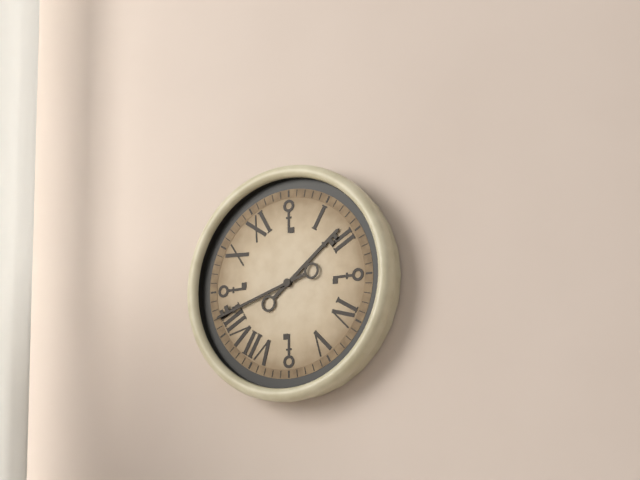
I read 1h42
